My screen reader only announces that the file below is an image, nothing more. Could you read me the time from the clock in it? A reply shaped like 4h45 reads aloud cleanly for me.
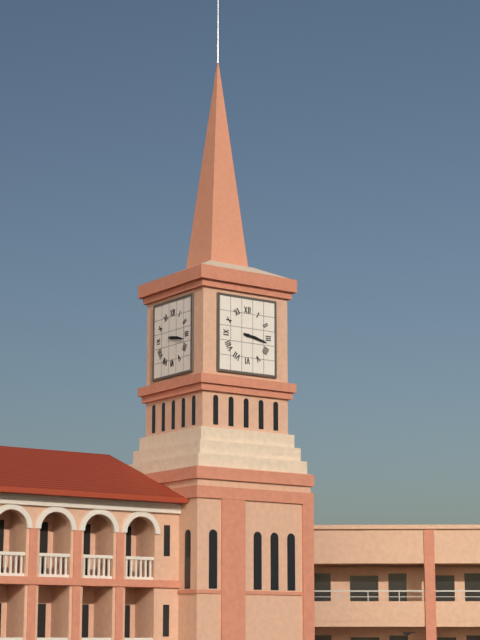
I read 3h17
